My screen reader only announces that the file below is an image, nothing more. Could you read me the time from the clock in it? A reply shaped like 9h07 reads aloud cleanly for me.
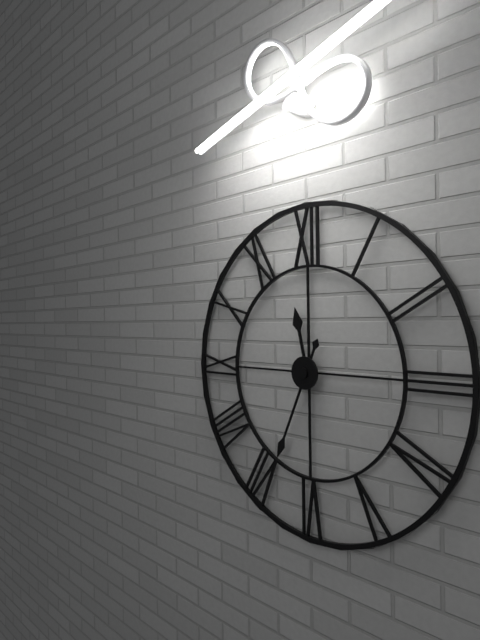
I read 11h34
